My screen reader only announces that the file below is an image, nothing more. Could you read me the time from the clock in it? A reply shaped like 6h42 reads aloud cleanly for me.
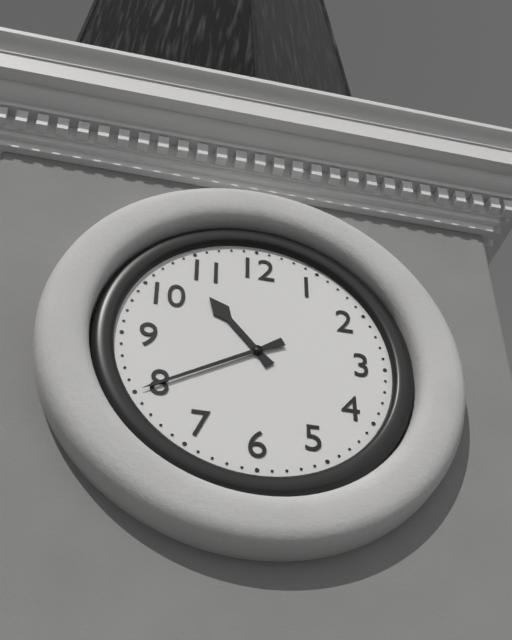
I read 10h40
